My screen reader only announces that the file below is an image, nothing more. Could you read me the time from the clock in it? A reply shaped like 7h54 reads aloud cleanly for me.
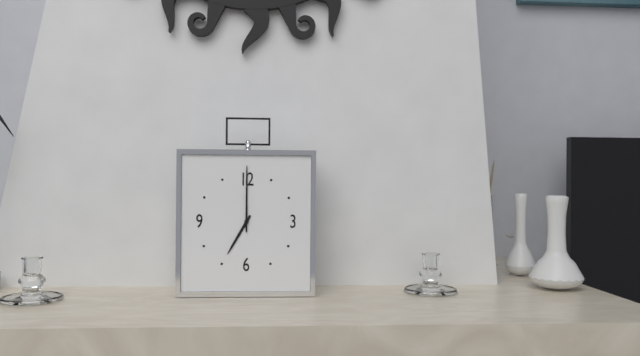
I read 7h00
